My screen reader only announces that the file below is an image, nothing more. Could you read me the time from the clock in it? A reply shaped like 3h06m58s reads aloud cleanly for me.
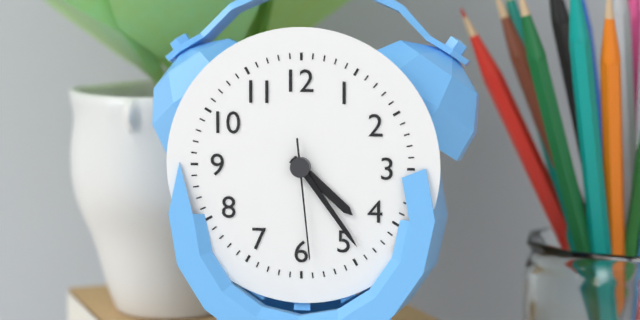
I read 4h24m29s
